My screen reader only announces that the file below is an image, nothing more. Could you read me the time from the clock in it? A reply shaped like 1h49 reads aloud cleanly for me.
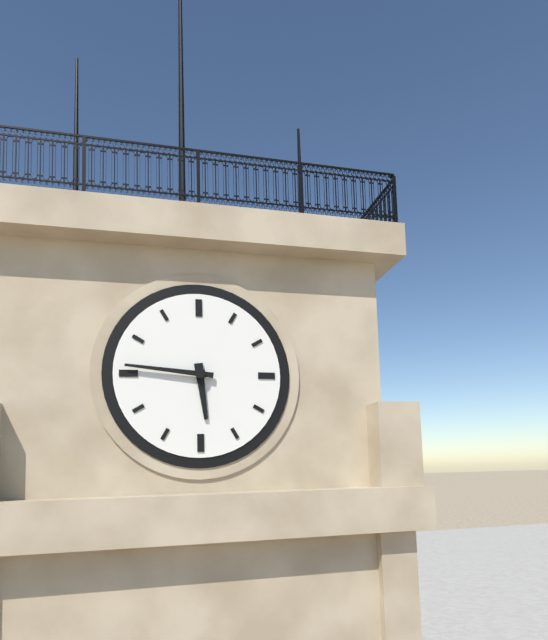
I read 5h46
